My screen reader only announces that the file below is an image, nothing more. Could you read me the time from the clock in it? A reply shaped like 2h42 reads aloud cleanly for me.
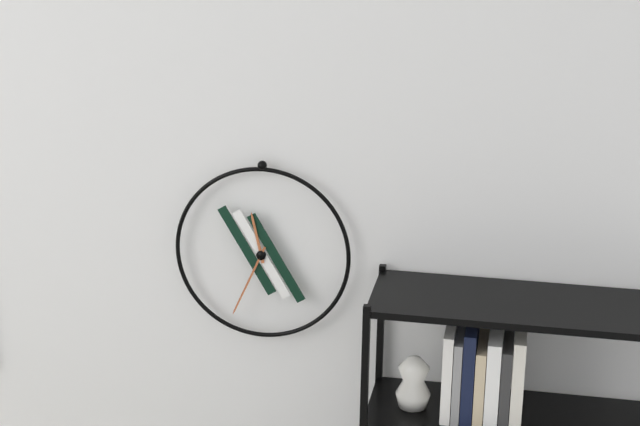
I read 11h34
